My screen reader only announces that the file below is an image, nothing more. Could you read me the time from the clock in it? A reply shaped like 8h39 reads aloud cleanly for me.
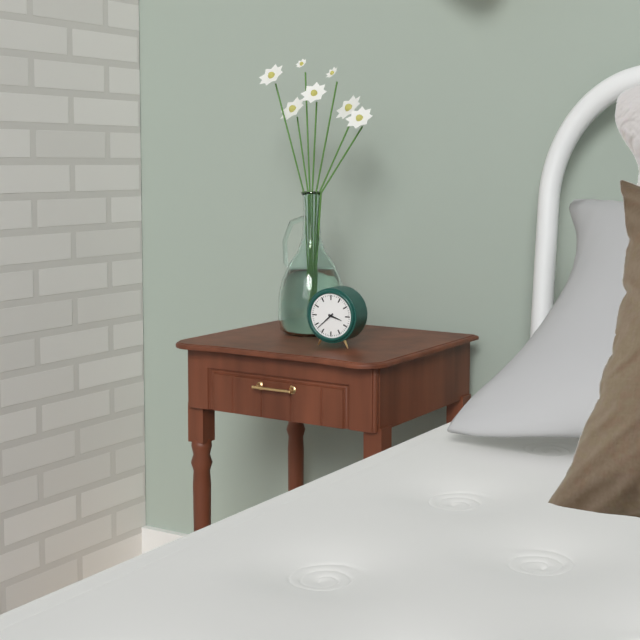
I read 3h38
